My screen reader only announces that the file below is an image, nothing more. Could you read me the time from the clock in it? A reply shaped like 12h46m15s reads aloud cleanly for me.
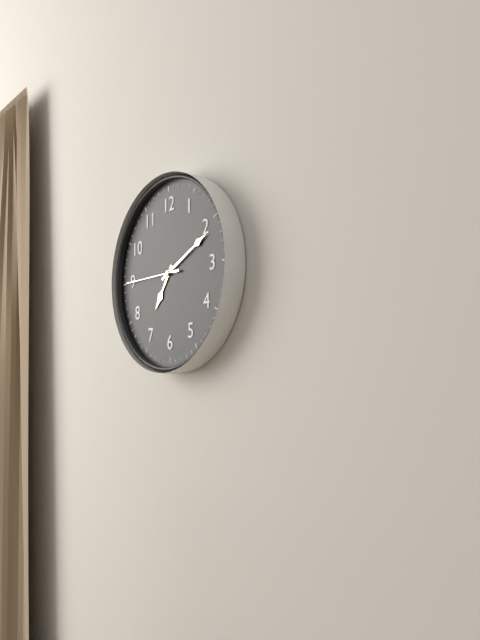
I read 7h11m45s
